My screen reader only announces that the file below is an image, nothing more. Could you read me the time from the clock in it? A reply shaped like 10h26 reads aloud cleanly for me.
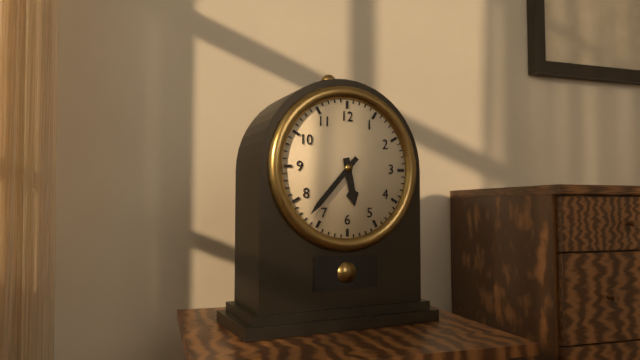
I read 5h37
